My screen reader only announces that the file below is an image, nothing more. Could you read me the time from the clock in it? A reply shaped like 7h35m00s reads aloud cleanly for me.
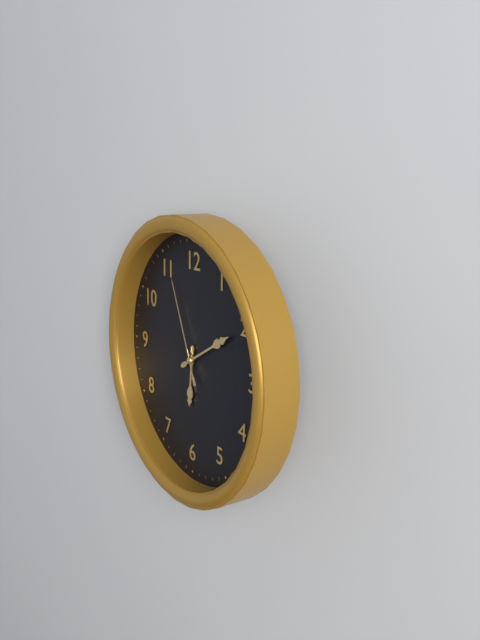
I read 6h10m56s
